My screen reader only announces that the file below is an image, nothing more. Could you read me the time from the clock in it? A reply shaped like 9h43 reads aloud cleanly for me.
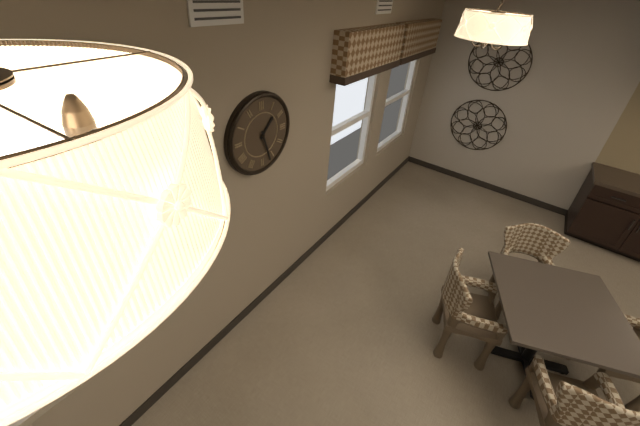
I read 1h27
